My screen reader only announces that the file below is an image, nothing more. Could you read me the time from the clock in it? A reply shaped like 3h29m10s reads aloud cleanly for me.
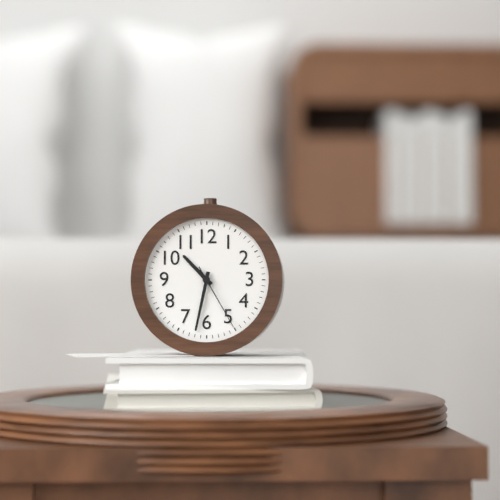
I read 10h32m25s
